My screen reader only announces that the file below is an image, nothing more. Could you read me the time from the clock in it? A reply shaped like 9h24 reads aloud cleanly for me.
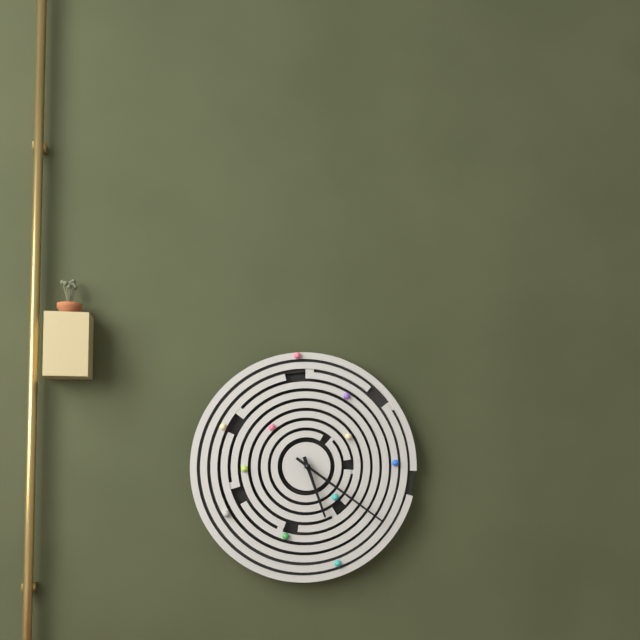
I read 5h21
